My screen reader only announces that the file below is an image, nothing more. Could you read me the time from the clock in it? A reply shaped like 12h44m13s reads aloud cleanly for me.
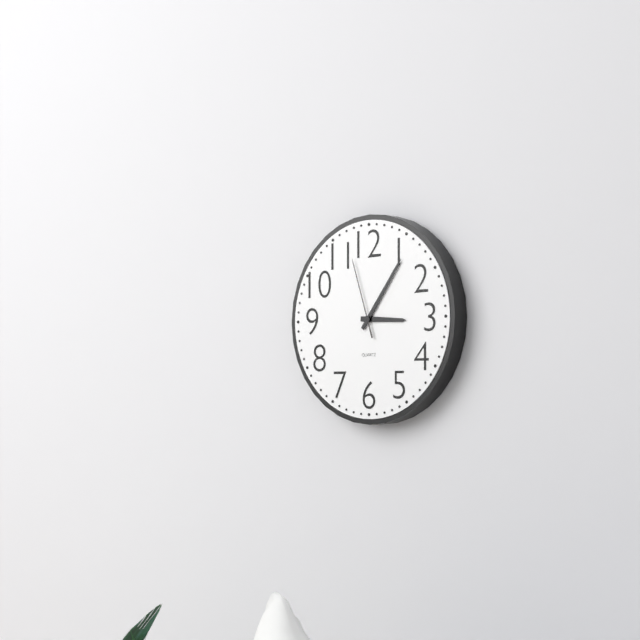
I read 3h06m57s
